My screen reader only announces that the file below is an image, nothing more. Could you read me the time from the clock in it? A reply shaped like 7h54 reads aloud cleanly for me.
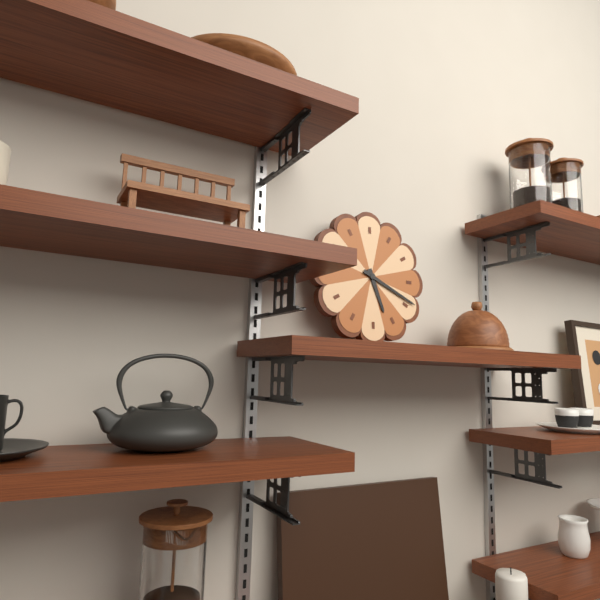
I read 5h19
